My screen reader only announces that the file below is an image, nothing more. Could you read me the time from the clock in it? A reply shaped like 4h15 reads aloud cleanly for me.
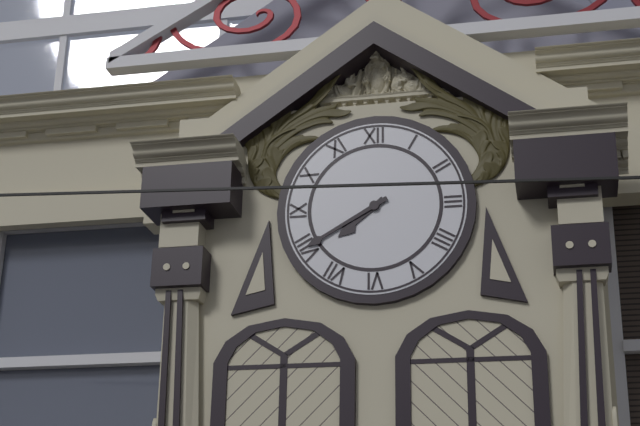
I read 7h40
